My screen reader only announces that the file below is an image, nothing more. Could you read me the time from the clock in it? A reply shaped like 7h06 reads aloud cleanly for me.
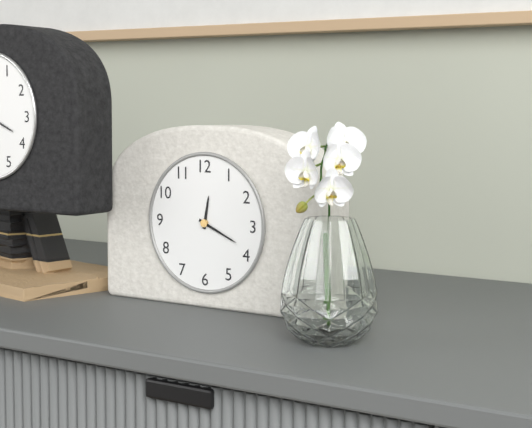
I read 12h19
